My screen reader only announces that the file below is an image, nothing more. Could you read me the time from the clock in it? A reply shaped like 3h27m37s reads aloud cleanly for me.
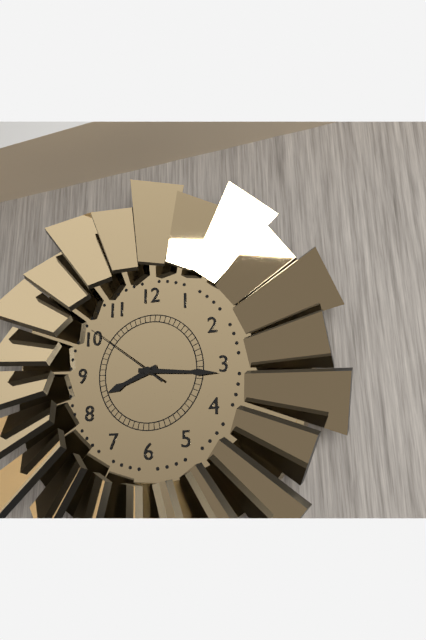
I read 8h16m51s
